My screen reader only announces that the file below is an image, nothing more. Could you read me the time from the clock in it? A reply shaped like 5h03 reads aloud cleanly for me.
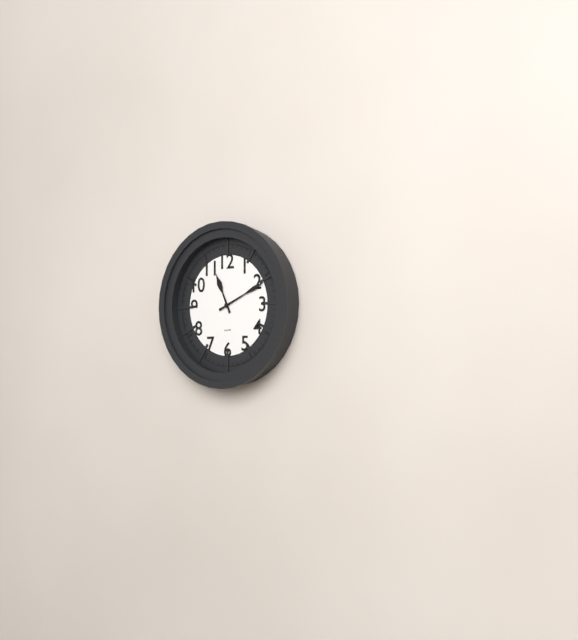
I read 11h11
